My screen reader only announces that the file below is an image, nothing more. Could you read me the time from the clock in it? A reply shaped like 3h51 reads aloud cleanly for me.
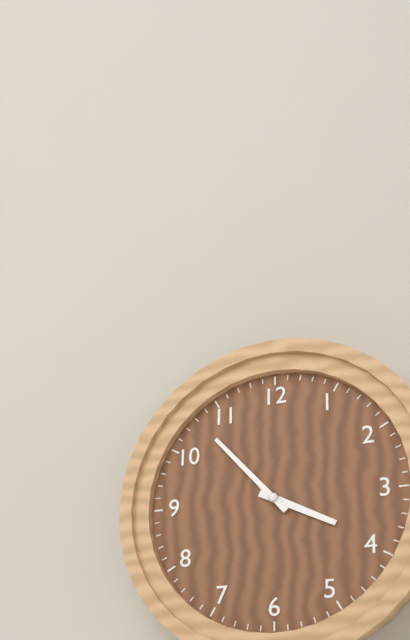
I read 3h53
